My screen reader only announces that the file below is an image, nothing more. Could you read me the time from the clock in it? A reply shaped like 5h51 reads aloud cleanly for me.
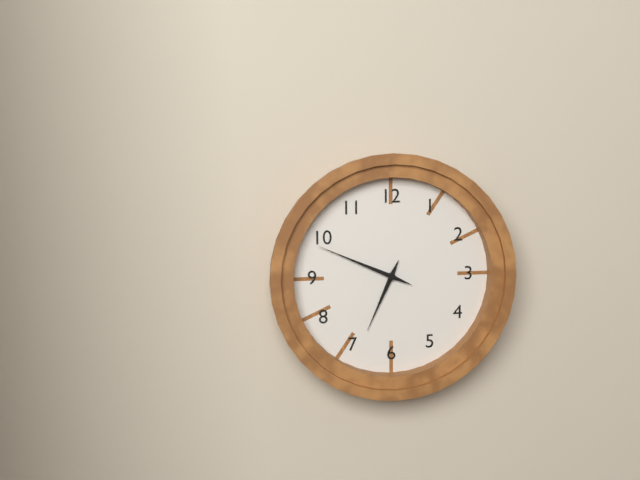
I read 6h49
